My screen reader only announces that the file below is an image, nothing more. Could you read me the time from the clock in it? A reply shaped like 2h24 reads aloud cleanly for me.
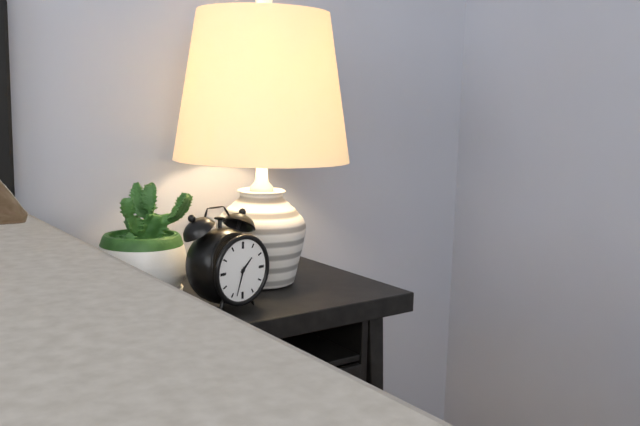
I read 1h33
